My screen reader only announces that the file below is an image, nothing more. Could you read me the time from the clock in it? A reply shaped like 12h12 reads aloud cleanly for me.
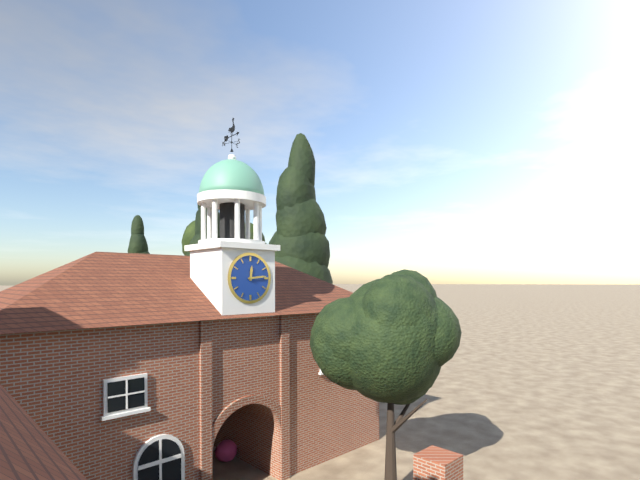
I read 12h14
